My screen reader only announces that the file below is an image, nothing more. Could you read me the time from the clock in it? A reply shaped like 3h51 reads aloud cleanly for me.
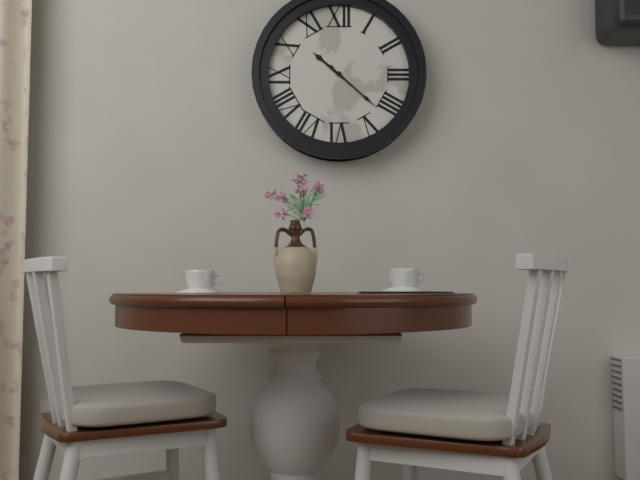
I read 10h22
